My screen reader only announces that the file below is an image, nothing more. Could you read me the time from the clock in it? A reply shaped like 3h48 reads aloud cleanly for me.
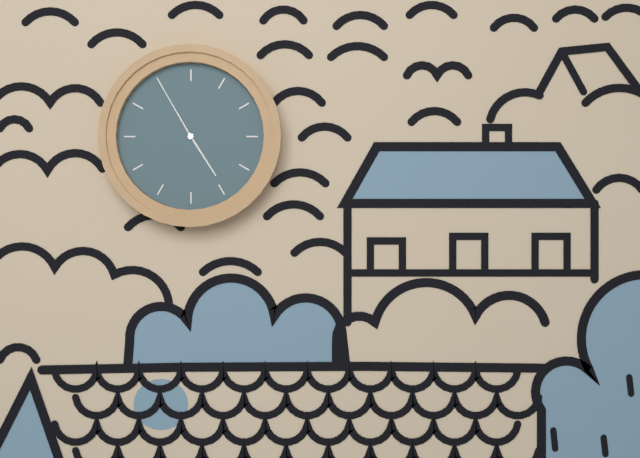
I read 4h55
